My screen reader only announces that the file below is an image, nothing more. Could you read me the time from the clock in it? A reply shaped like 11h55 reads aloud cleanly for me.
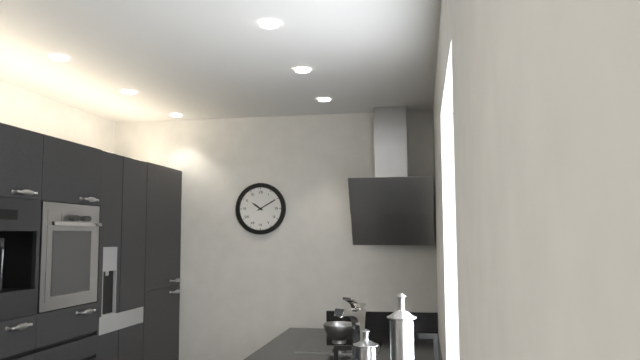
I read 10h10
